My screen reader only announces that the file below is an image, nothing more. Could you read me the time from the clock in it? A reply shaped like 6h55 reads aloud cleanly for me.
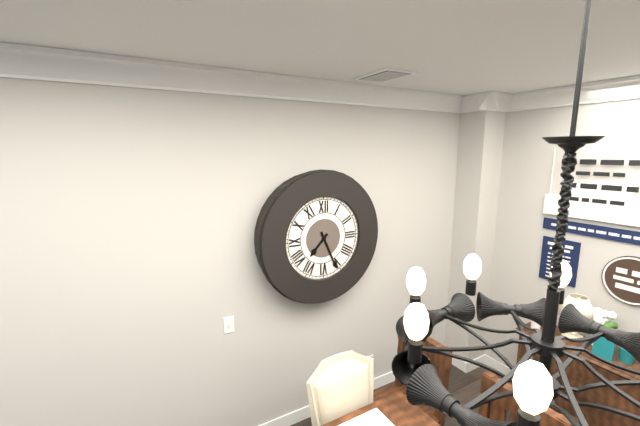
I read 7h26
